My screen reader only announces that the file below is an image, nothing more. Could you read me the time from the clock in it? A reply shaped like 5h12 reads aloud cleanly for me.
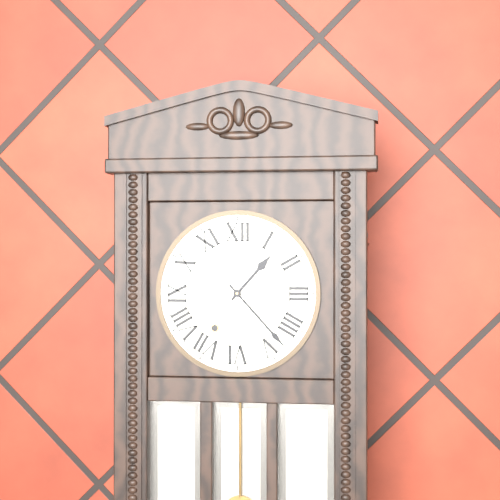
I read 1h23
